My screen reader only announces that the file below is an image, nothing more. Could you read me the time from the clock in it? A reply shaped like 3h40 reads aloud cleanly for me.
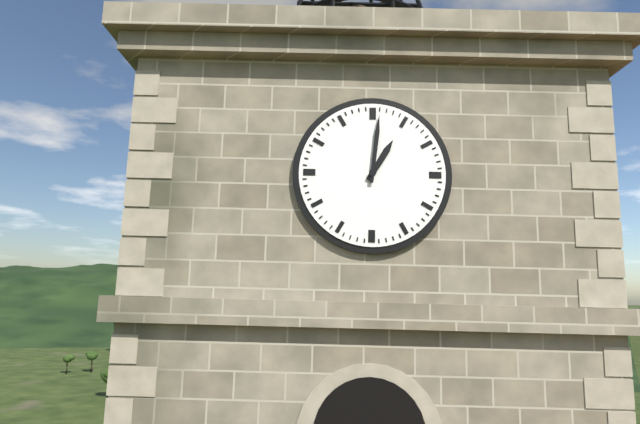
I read 1h01
